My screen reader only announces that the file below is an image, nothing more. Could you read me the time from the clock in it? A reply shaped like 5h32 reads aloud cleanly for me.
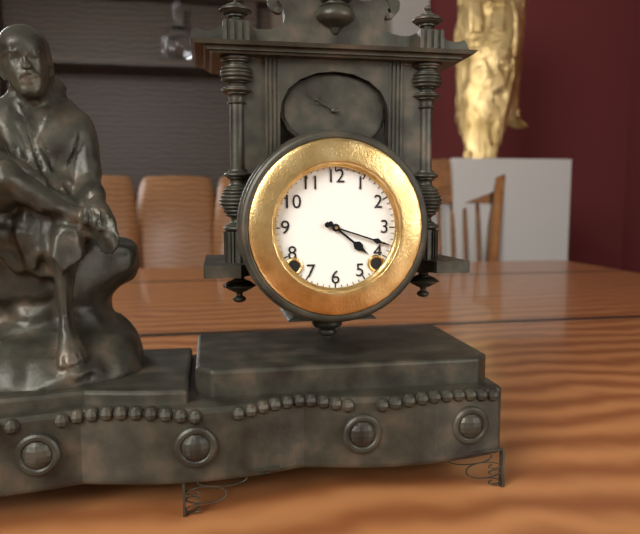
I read 4h18
